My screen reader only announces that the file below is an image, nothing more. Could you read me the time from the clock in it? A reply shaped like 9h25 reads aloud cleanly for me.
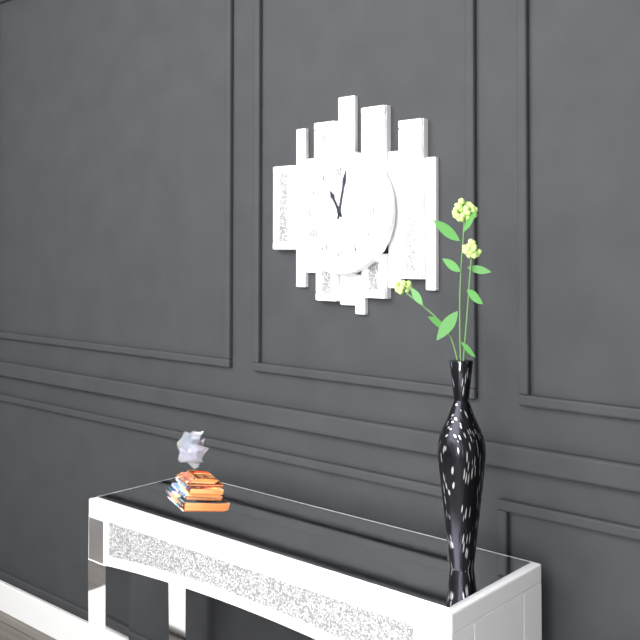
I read 11h02
